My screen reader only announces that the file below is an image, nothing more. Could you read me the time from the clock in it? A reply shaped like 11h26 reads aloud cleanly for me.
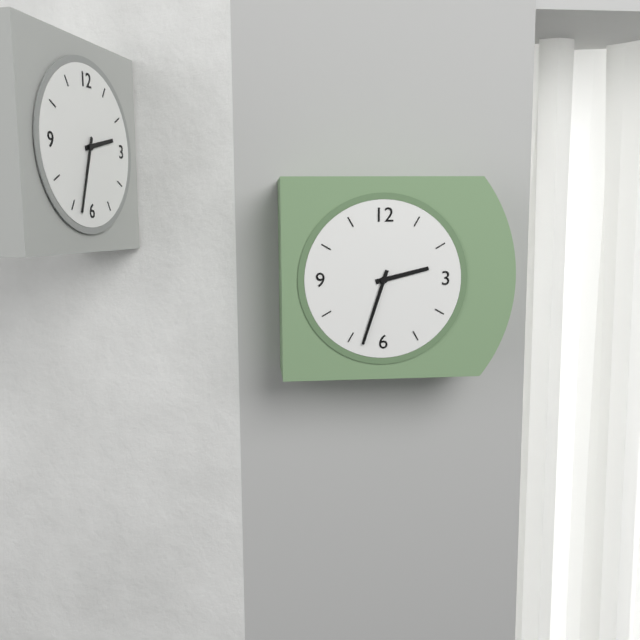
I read 2h33
